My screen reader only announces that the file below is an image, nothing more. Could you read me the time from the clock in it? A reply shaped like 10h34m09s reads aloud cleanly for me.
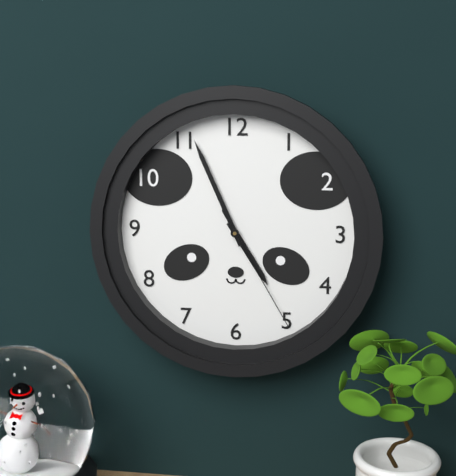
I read 4h56m25s
